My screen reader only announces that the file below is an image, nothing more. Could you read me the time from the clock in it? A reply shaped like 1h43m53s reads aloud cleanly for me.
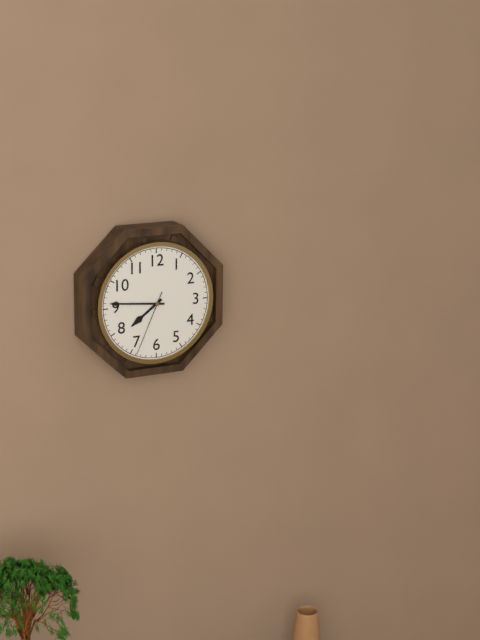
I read 7h46m34s
